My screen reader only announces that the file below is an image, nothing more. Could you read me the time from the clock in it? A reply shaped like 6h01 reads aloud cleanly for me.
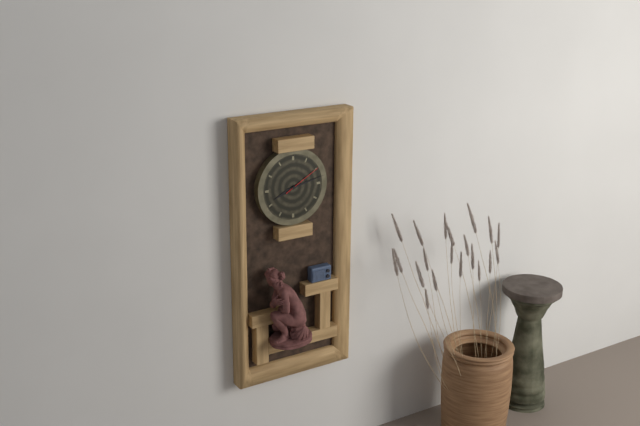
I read 8h13
